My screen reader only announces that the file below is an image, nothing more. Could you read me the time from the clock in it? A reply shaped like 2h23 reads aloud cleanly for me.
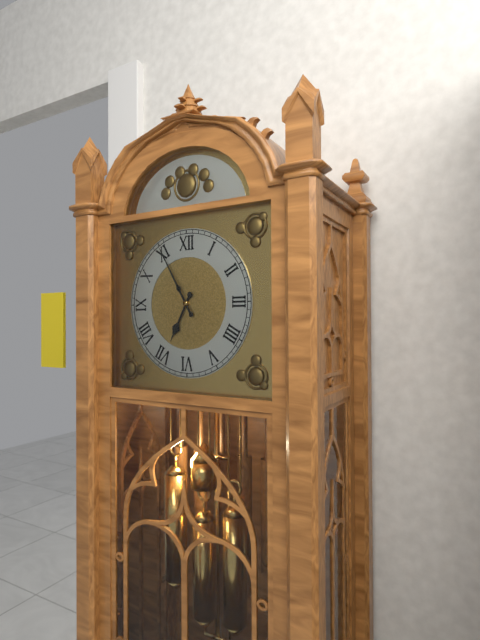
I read 6h55
